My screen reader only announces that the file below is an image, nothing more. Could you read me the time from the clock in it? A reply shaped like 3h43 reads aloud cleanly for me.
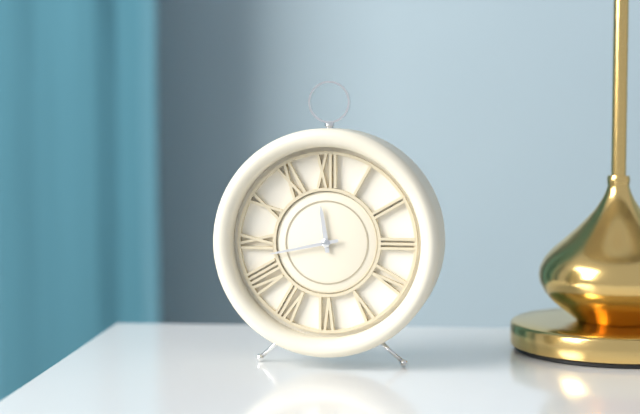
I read 11h43
